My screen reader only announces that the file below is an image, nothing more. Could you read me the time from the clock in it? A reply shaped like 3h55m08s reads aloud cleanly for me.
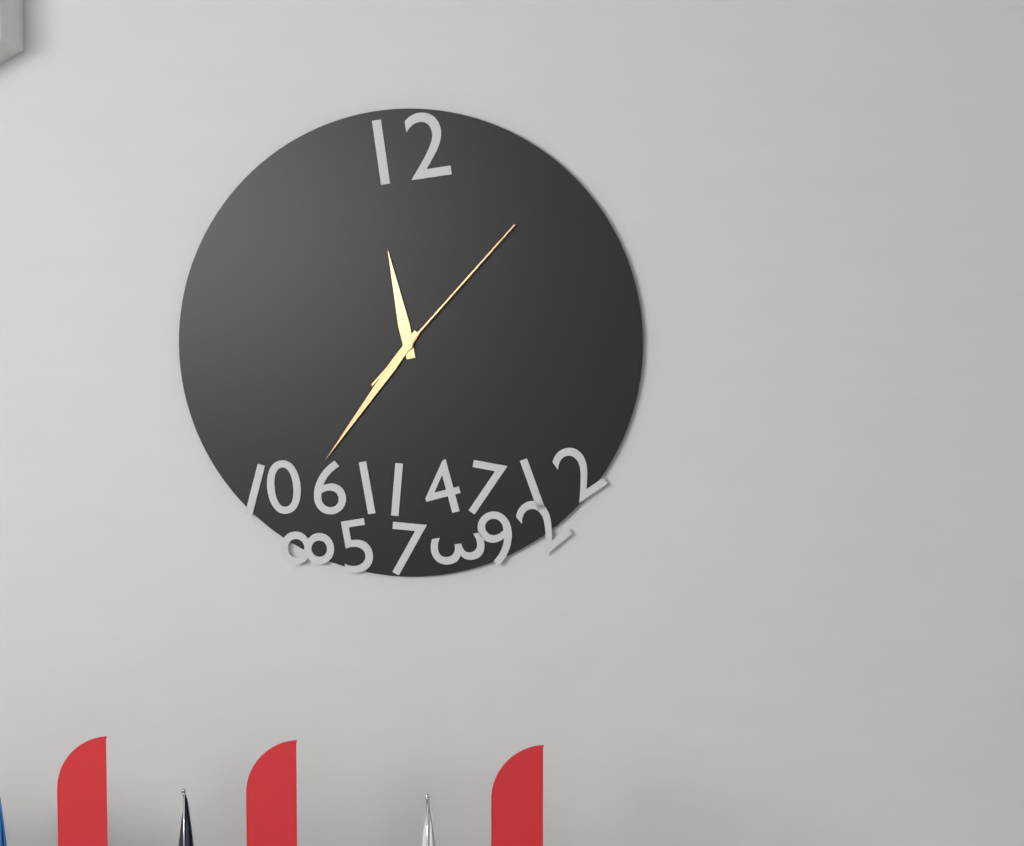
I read 11h36m07s
